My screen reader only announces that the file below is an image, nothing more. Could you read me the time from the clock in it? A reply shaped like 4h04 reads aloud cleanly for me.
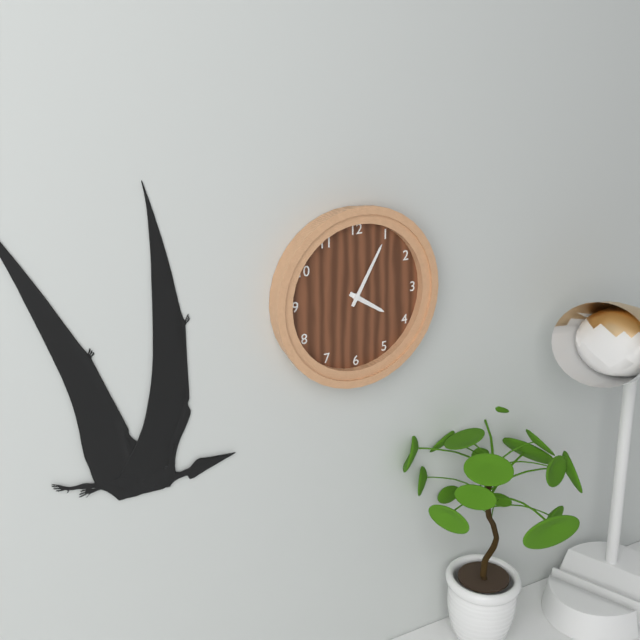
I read 4h05
